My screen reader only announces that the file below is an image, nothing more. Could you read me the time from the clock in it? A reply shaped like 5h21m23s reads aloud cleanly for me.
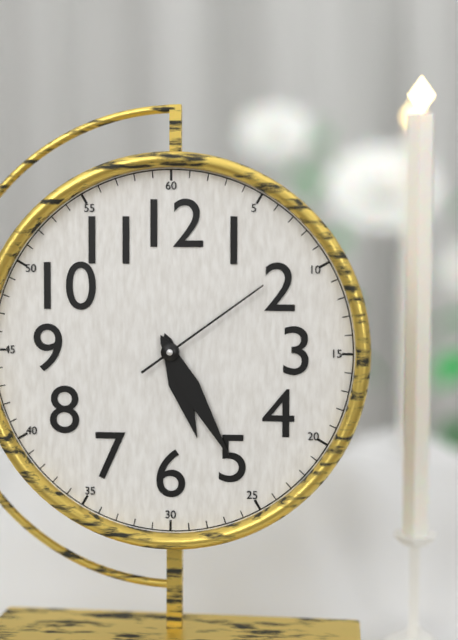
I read 5h25m09s
